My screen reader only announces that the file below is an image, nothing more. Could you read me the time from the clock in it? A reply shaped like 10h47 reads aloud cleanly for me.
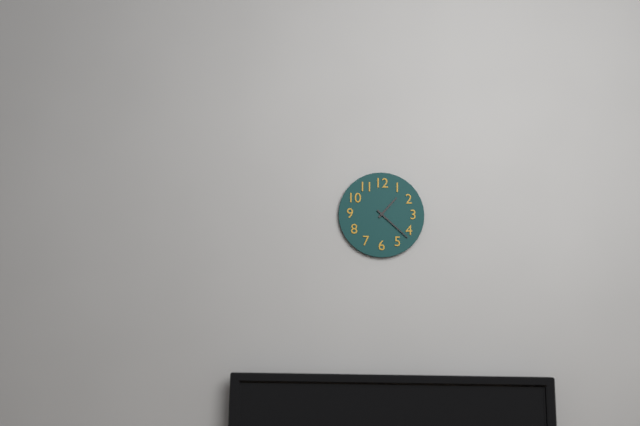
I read 1h22
